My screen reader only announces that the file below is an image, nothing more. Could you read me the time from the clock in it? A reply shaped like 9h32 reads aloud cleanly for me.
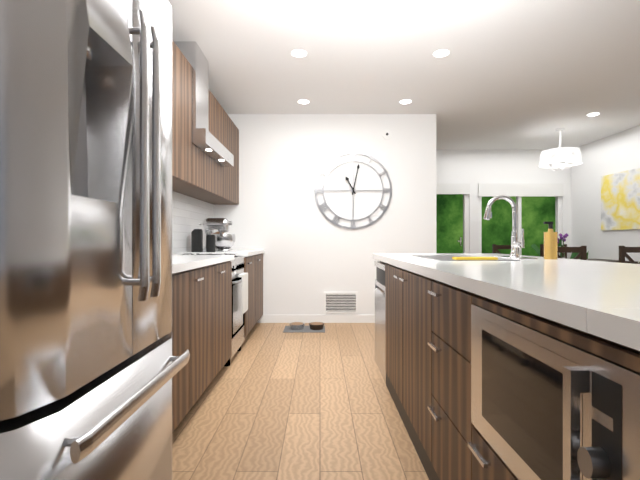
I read 11h02
